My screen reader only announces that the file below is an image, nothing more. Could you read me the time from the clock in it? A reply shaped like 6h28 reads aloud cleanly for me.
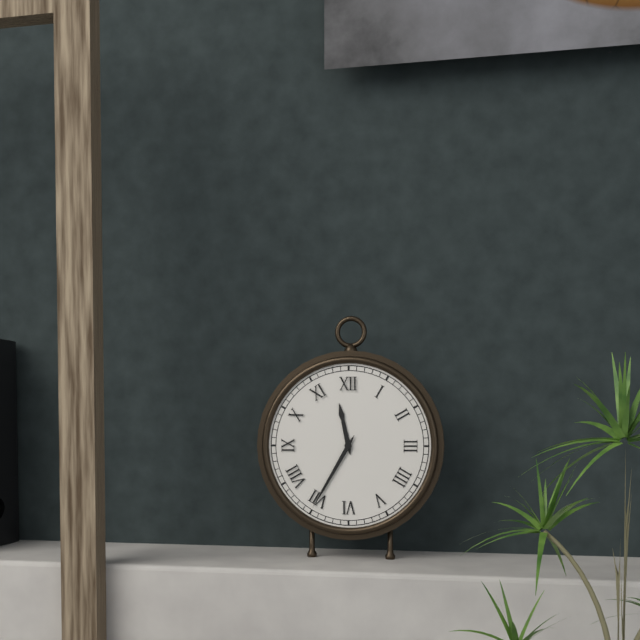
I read 11h35
